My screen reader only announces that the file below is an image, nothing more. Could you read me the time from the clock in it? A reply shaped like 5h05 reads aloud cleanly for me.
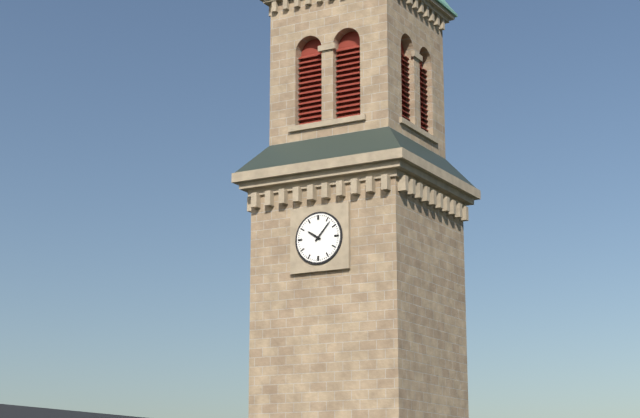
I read 10h07
